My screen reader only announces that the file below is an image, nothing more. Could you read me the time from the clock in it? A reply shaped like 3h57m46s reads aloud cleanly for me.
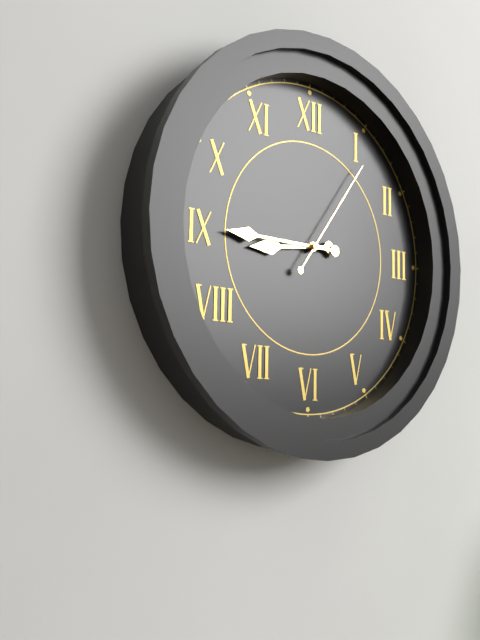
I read 8h45m06s
